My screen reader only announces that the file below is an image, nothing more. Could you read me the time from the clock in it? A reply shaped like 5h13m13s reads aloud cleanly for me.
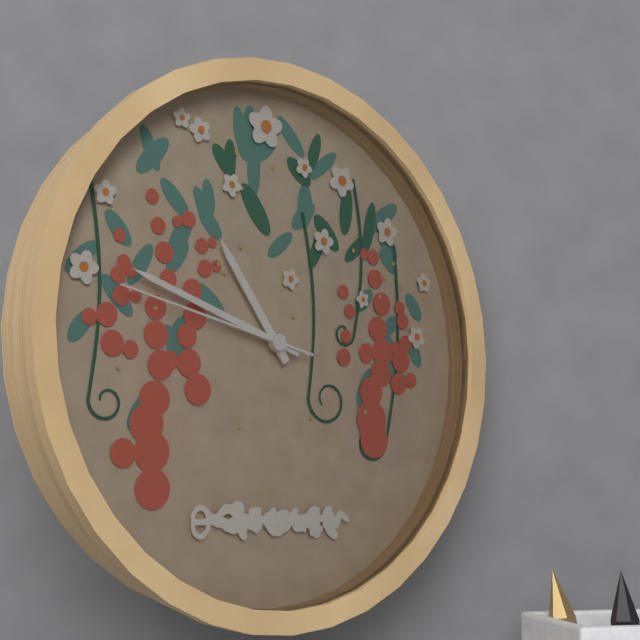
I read 10h48m47s
